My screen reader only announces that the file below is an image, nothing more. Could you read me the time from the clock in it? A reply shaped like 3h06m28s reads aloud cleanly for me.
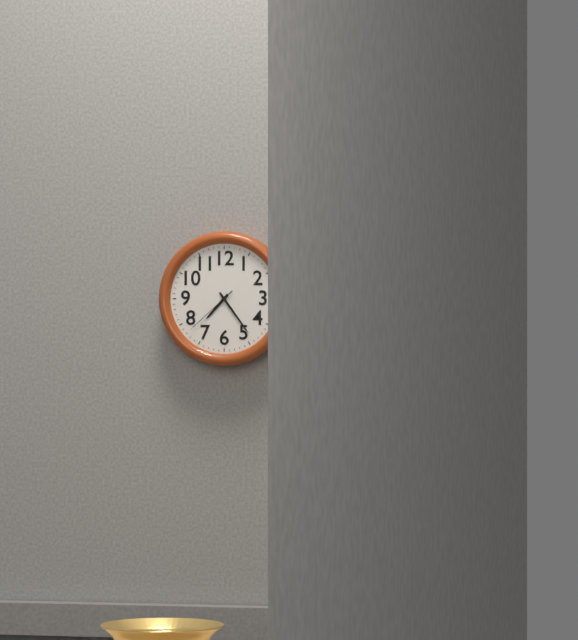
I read 7h24m38s
